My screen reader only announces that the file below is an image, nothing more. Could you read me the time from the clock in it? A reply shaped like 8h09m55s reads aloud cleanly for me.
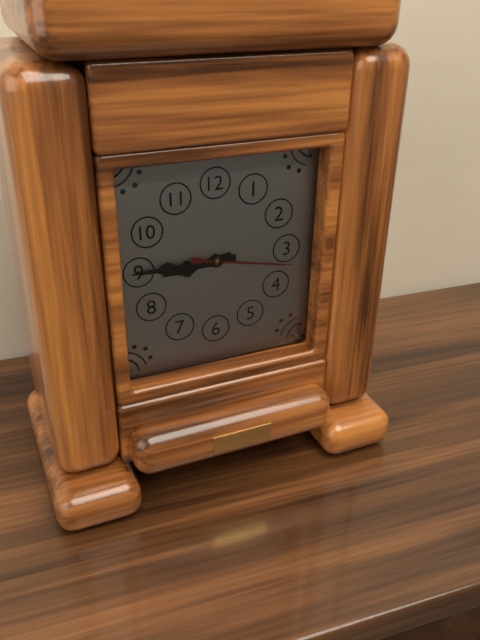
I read 8h45m17s
